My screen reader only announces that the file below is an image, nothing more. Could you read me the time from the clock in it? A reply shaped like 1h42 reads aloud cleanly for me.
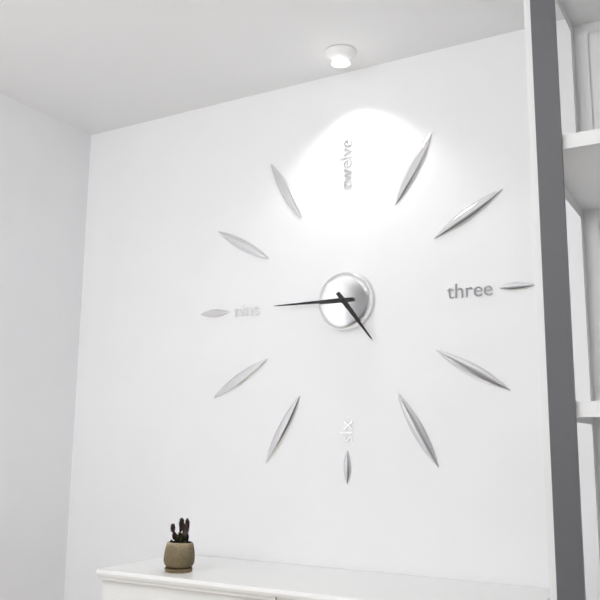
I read 4h45
